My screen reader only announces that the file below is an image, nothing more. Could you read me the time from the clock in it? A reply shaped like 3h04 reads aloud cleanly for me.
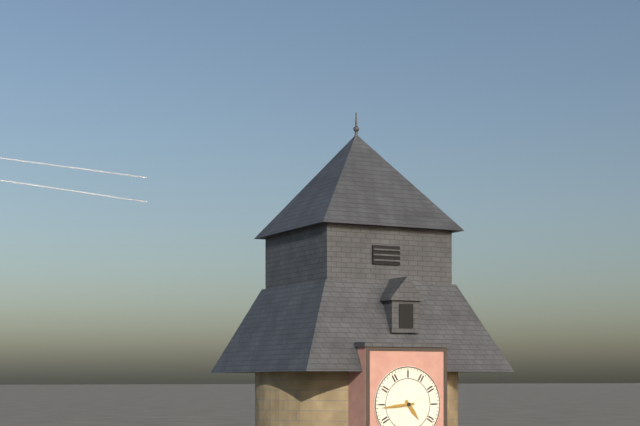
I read 4h44
